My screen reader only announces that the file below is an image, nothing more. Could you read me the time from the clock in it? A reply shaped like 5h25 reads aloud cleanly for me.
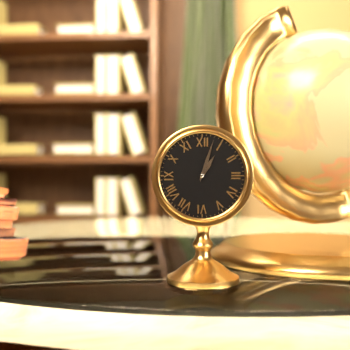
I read 1h03
